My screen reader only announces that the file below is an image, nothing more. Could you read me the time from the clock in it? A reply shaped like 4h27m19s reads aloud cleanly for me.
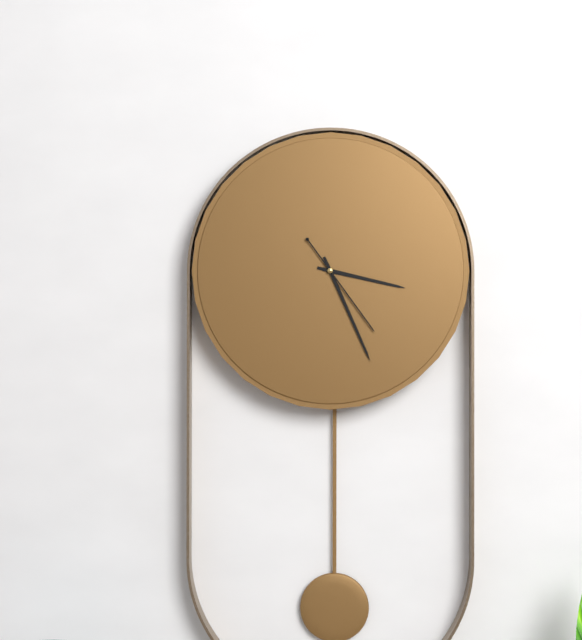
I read 3h26m24s
